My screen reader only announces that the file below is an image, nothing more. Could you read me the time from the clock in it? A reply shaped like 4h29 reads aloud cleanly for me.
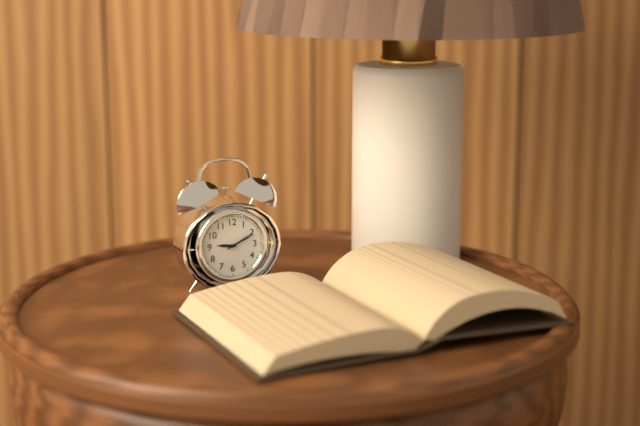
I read 9h11
